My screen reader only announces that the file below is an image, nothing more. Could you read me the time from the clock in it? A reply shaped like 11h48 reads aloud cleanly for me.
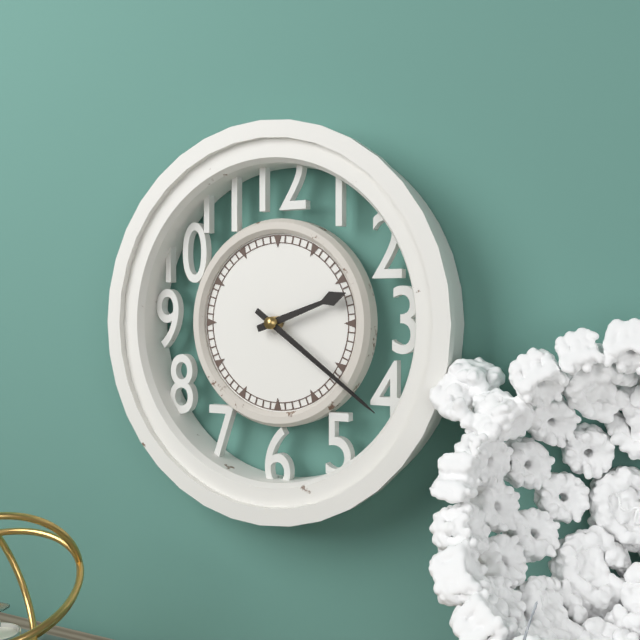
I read 2h21
